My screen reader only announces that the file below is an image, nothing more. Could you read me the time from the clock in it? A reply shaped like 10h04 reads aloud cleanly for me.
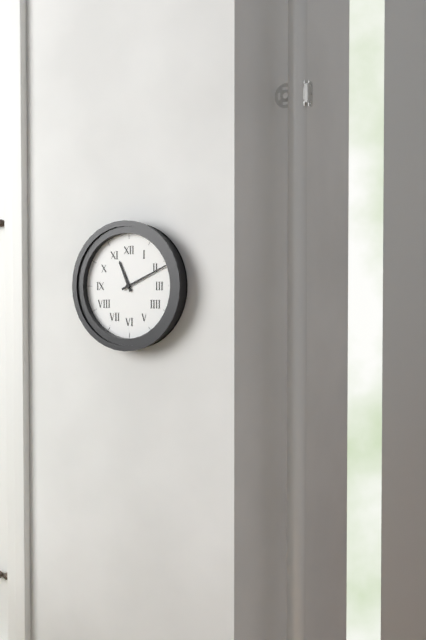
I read 11h11
